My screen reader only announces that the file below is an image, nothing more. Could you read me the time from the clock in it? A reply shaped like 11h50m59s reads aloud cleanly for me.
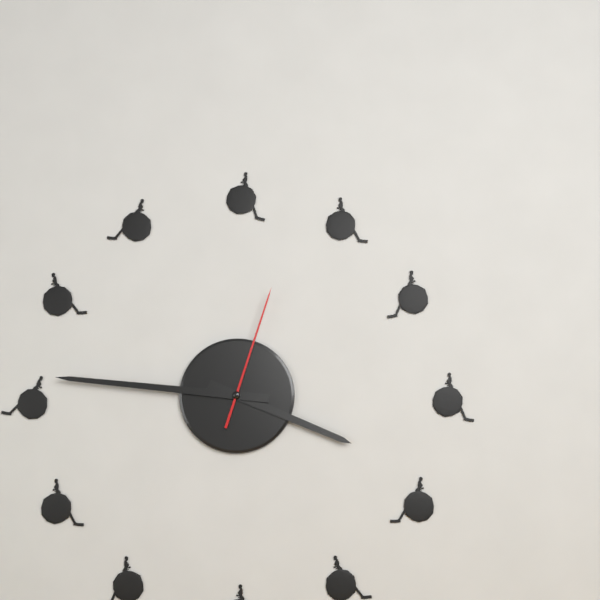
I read 3h46m03s
